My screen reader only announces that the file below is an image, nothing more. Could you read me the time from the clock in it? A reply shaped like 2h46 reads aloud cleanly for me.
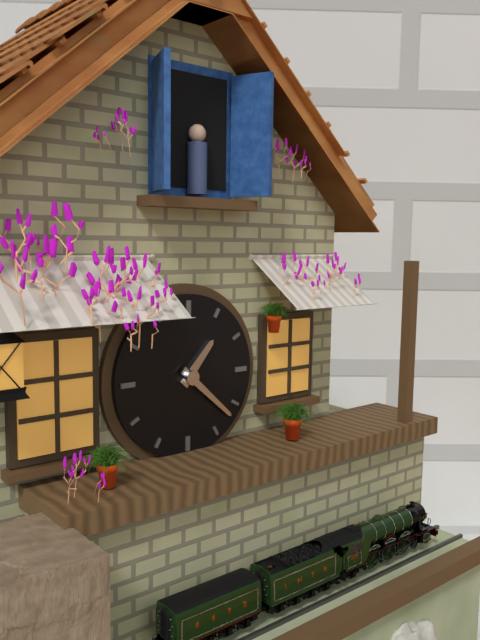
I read 1h22
